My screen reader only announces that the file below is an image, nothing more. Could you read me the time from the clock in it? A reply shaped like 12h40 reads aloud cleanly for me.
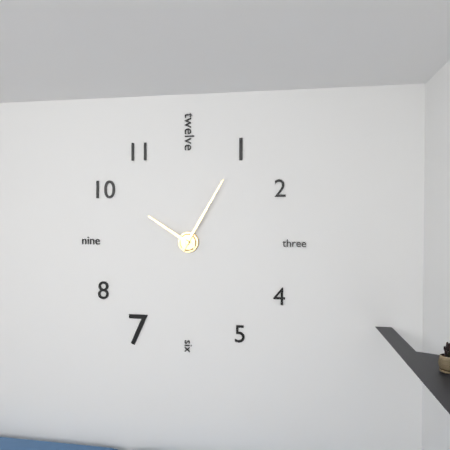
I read 10h05
